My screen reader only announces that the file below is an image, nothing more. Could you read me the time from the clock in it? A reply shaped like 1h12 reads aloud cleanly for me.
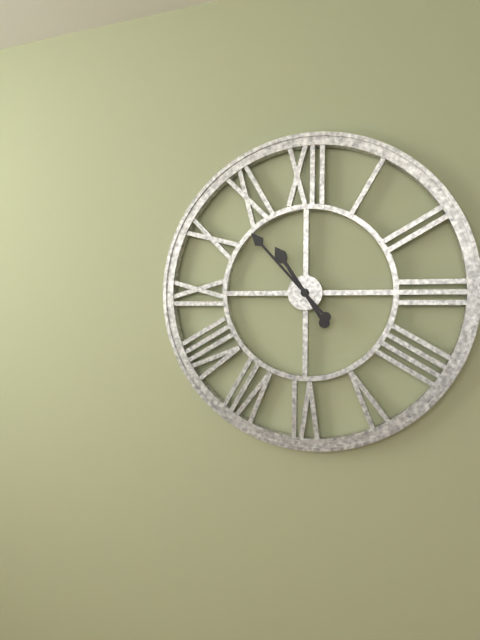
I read 10h53
